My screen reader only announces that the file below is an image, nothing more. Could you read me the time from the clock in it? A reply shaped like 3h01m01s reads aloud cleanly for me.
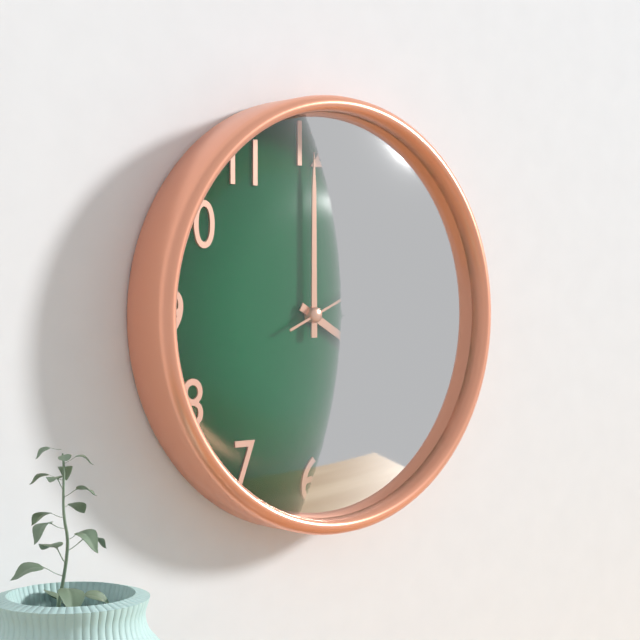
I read 4h00m11s
